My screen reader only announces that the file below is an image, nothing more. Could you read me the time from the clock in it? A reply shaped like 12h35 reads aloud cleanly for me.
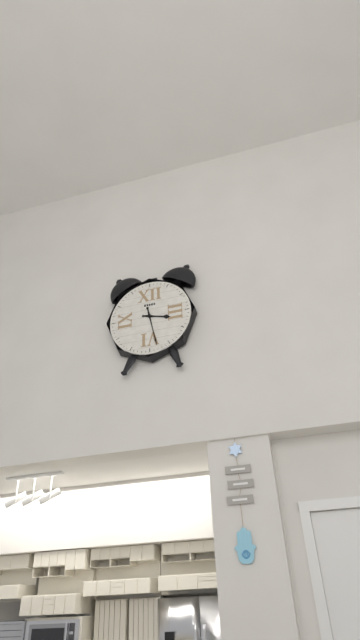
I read 3h28
